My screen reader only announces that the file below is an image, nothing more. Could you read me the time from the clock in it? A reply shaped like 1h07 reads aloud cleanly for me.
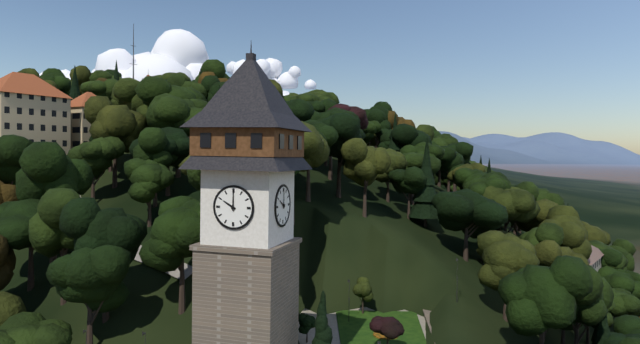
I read 10h00
